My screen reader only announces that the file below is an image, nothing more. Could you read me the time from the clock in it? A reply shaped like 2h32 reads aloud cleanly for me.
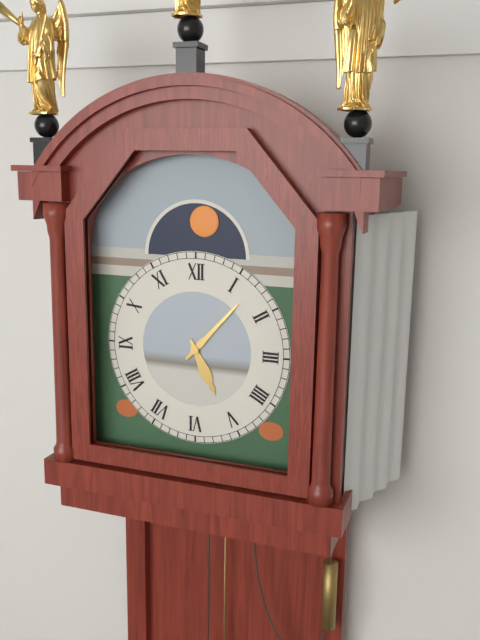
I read 5h07
